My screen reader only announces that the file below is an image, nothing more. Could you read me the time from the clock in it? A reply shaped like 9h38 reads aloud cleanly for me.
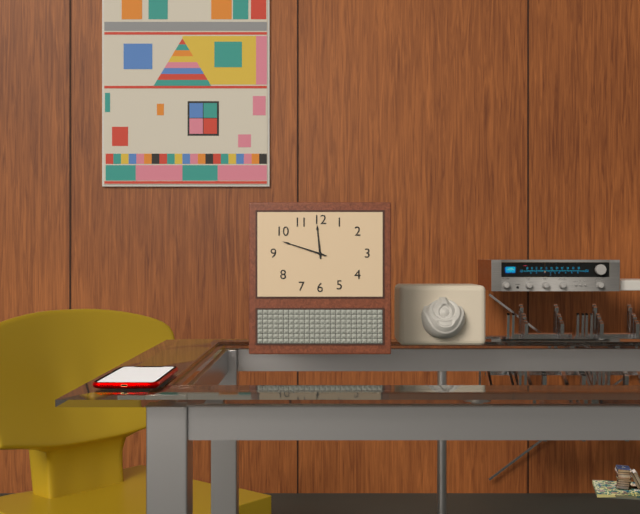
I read 11h48
